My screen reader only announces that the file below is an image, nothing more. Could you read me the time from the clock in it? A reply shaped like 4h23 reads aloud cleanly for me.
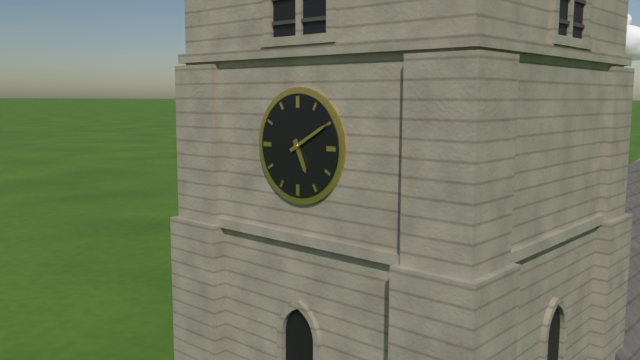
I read 5h10
